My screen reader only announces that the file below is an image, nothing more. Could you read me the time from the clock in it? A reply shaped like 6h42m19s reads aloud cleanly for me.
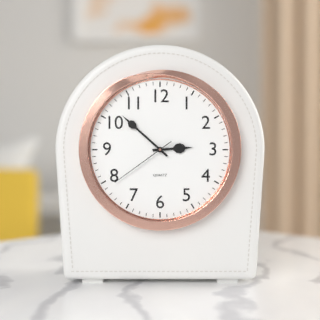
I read 2h52m39s
